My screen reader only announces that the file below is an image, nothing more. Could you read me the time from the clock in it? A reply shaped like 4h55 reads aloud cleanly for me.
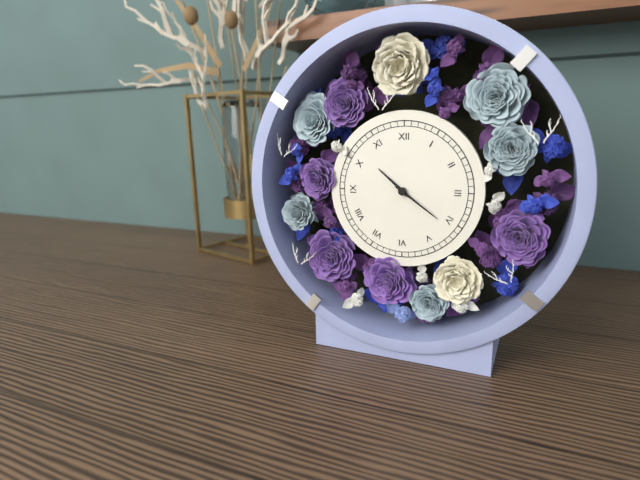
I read 10h21
